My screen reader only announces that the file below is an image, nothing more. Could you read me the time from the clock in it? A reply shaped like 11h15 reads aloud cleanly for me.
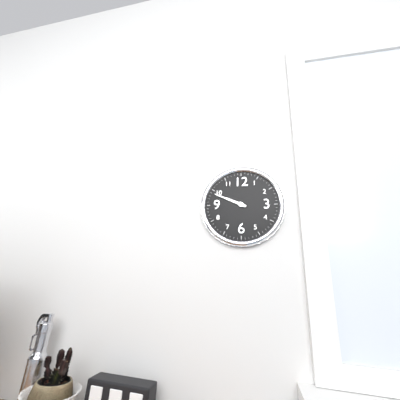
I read 9h49
